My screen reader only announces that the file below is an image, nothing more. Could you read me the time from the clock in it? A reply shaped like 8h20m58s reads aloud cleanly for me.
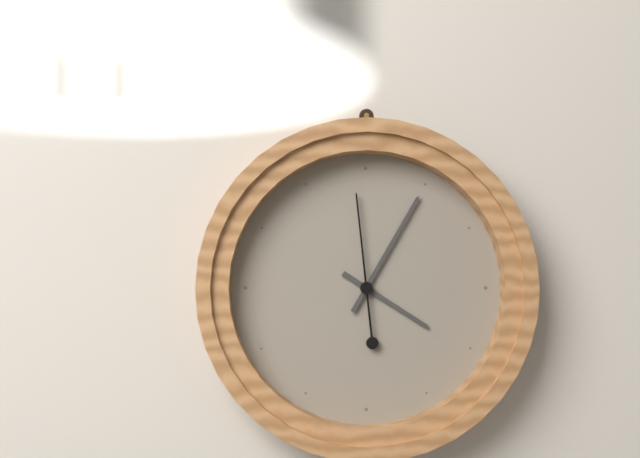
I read 4h05m59s
